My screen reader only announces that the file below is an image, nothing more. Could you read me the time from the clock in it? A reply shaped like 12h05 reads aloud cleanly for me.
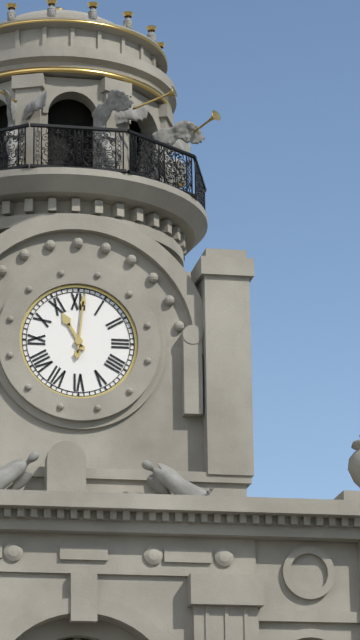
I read 11h01
